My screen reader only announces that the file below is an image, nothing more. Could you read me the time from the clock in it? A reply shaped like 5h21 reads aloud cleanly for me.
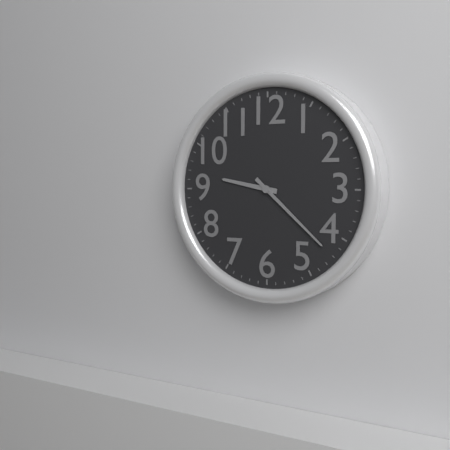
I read 9h22
